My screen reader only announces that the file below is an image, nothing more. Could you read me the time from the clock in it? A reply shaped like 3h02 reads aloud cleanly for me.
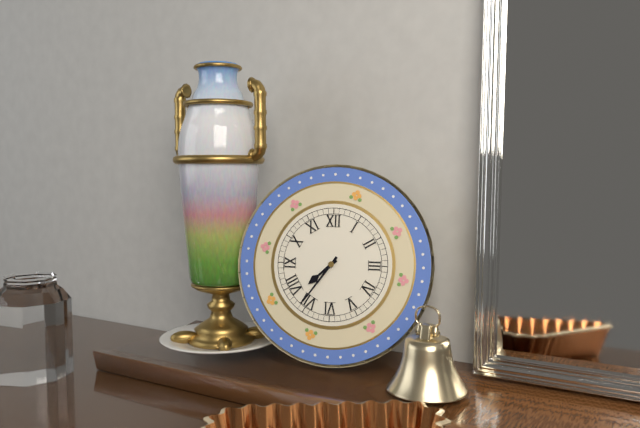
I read 7h36
